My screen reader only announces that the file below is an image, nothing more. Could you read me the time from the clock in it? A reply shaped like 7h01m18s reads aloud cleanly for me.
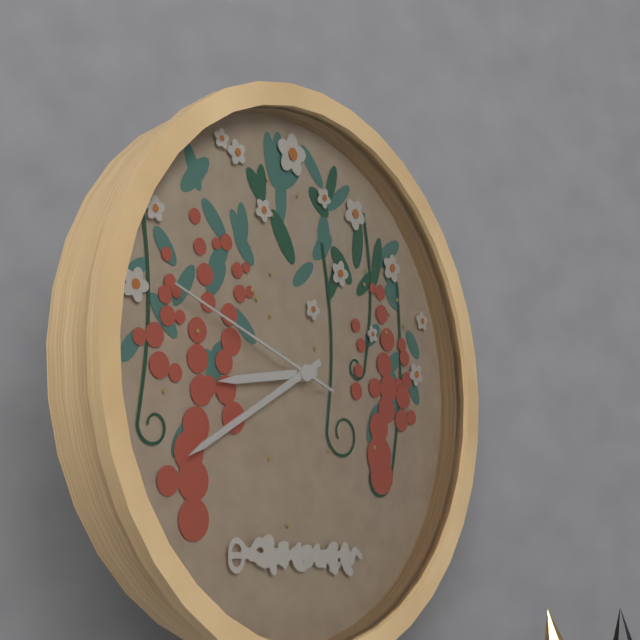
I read 8h40m48s
